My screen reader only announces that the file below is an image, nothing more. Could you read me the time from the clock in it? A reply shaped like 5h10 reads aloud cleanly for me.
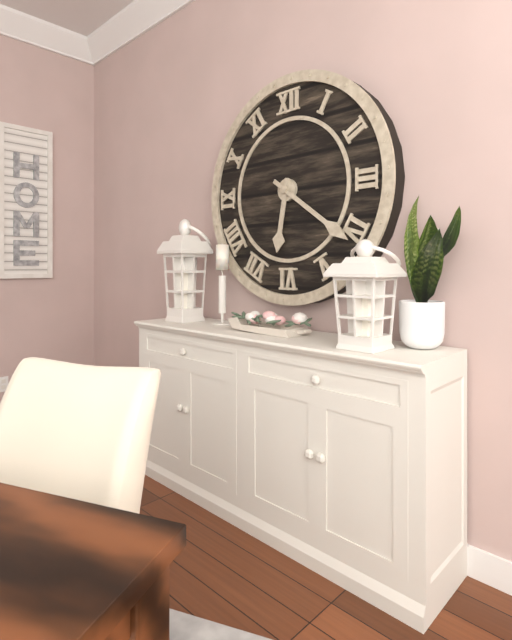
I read 6h21
